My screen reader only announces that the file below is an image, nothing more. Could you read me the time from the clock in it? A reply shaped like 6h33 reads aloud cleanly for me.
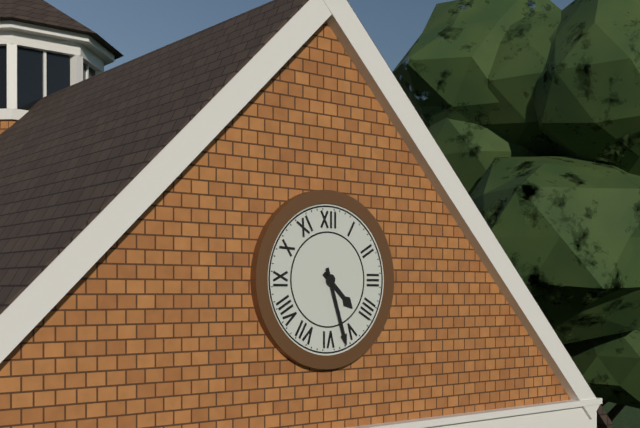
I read 4h27
